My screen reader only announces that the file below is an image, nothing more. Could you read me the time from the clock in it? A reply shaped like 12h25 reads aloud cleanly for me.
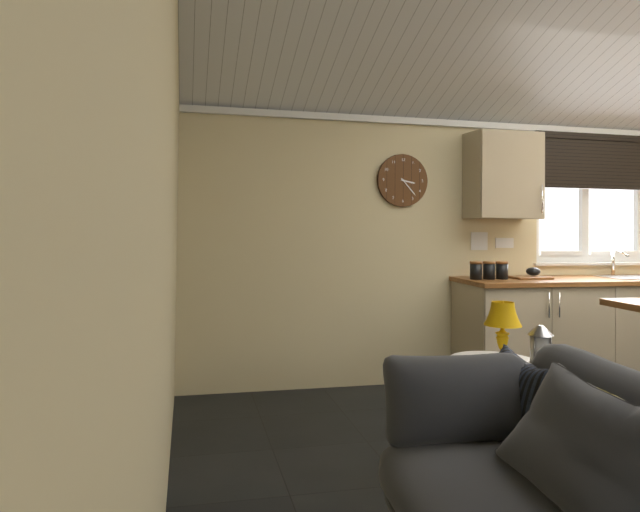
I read 3h23
